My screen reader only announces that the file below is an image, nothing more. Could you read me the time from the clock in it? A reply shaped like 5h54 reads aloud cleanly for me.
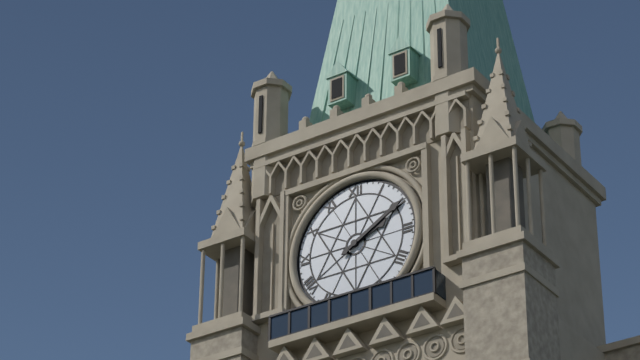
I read 2h10
